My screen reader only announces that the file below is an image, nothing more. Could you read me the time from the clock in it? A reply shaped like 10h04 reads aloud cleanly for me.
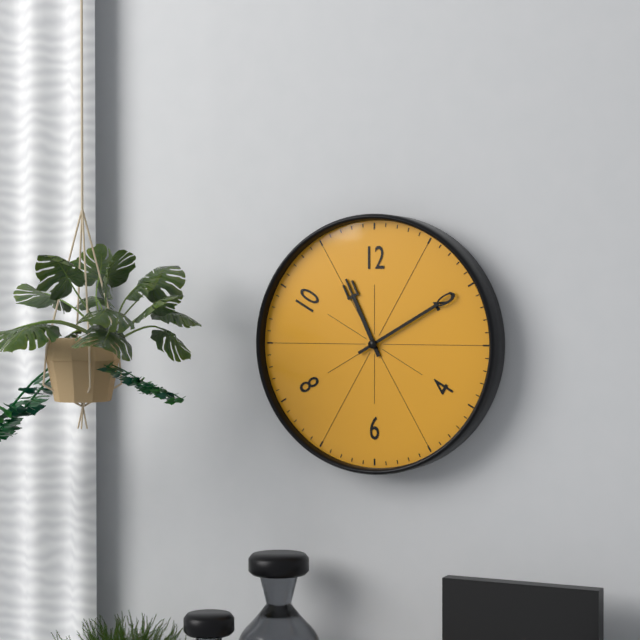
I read 11h10
